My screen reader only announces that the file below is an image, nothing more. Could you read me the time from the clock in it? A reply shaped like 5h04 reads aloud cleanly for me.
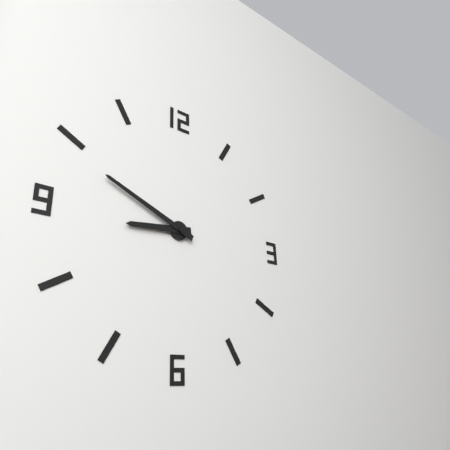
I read 8h49
